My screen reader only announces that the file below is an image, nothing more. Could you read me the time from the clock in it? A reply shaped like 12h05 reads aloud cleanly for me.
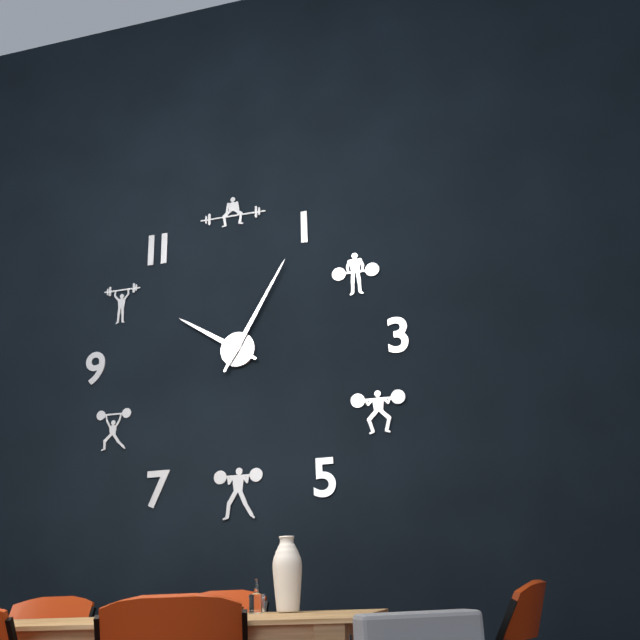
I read 10h05
